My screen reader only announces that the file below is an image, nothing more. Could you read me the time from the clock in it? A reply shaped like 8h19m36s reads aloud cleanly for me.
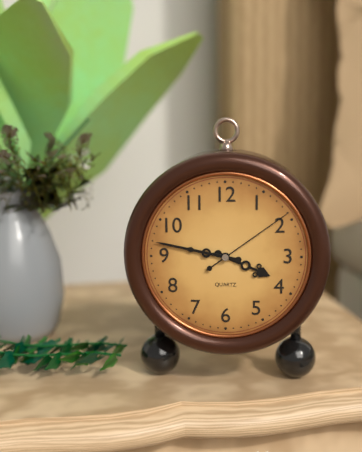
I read 3h47m09s
